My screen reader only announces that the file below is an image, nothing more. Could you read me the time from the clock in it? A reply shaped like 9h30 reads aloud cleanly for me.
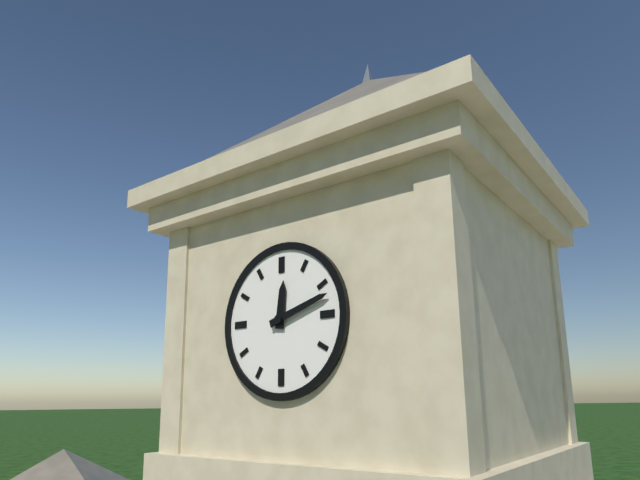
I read 12h12
